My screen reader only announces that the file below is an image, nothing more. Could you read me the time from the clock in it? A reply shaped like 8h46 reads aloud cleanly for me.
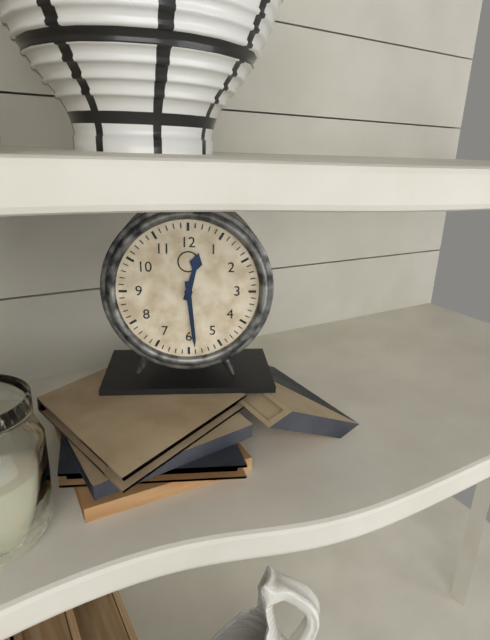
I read 12h29
